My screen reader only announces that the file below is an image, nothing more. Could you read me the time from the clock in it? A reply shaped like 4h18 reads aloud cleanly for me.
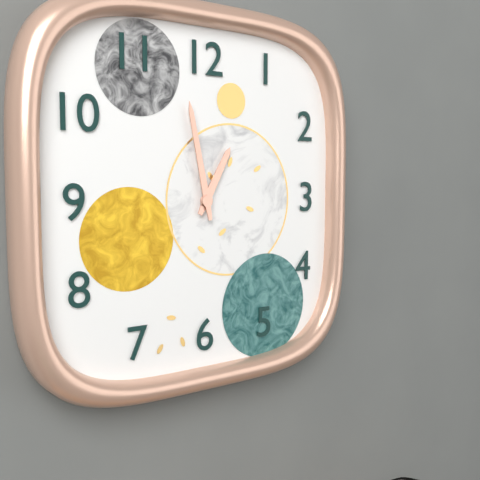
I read 12h58
